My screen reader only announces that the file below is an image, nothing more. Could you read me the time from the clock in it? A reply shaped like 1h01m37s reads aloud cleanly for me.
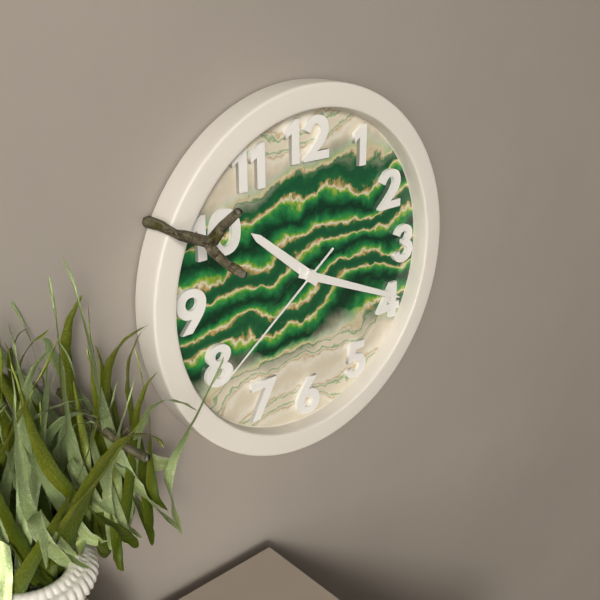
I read 10h19m39s
